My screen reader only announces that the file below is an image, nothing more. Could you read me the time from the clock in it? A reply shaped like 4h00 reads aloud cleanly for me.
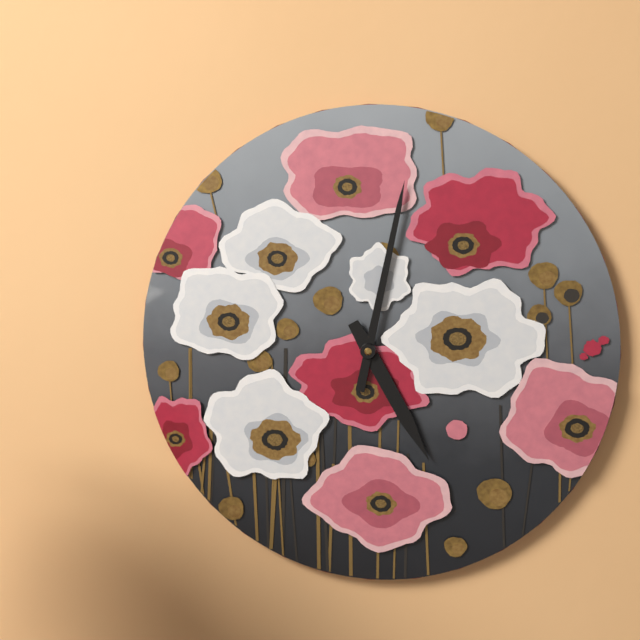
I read 5h02
